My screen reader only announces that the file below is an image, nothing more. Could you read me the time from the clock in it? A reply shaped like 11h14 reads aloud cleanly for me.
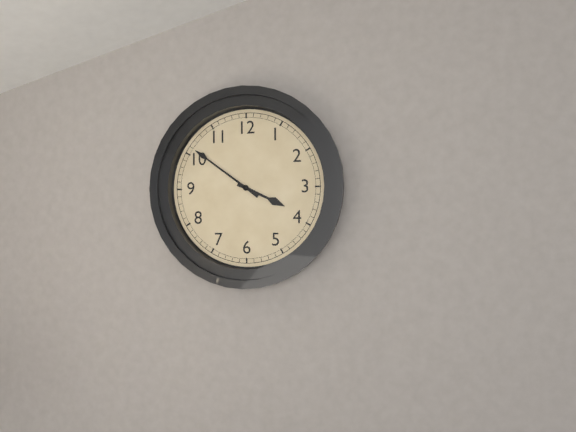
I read 3h51
